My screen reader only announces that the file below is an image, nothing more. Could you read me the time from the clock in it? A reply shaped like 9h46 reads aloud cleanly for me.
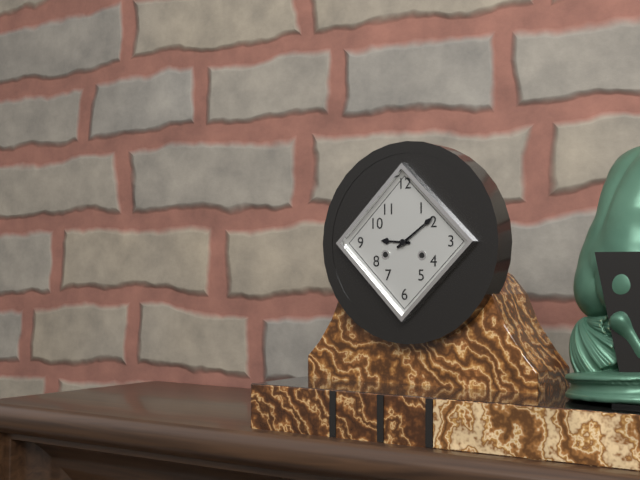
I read 9h09
